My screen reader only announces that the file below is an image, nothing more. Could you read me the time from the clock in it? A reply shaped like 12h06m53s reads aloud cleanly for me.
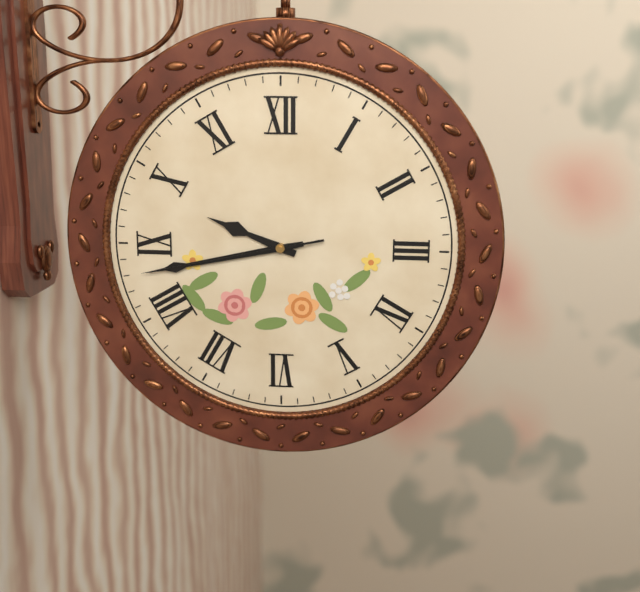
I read 9h43m43s
